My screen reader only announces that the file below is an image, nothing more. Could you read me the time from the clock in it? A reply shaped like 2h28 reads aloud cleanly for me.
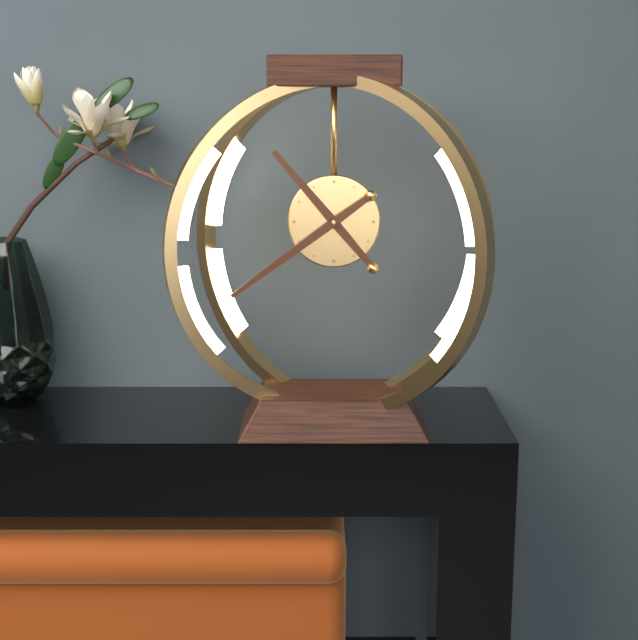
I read 10h39
